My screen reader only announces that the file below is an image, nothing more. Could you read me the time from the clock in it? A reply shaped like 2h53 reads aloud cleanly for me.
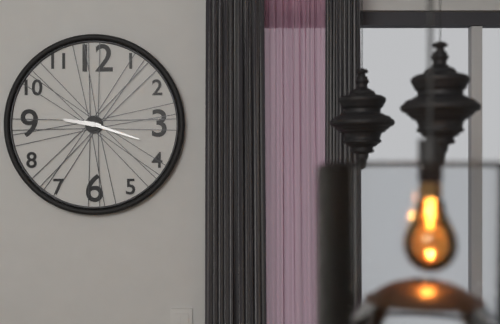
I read 9h18
